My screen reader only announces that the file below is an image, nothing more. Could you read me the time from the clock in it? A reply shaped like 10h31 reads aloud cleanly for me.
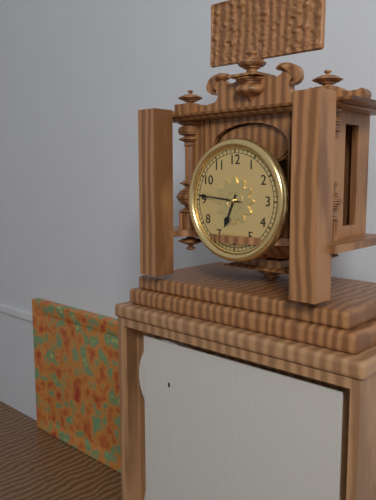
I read 6h46
